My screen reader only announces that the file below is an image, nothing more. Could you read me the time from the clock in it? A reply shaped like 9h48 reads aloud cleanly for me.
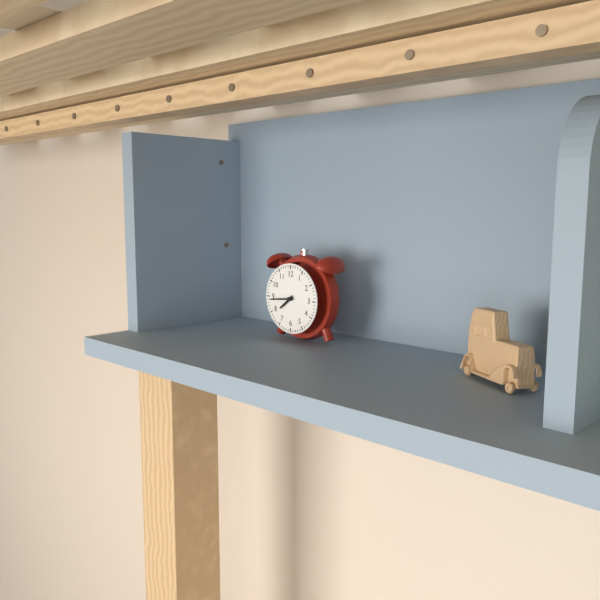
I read 7h44
